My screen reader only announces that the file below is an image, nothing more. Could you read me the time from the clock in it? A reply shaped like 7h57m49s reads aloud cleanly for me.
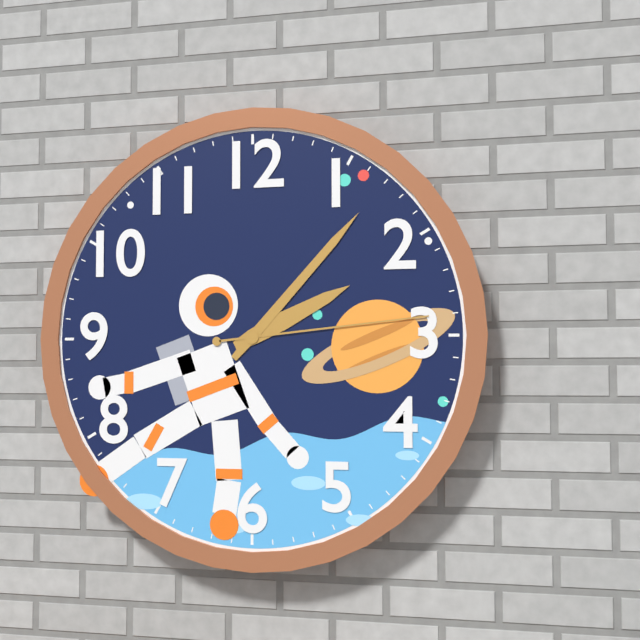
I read 2h07m14s
